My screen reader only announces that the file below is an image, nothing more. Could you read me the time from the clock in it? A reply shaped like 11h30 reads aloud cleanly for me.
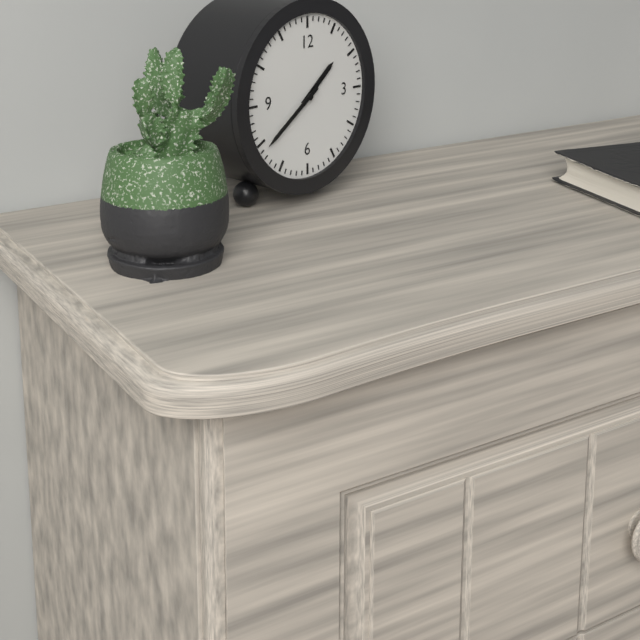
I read 1h39
